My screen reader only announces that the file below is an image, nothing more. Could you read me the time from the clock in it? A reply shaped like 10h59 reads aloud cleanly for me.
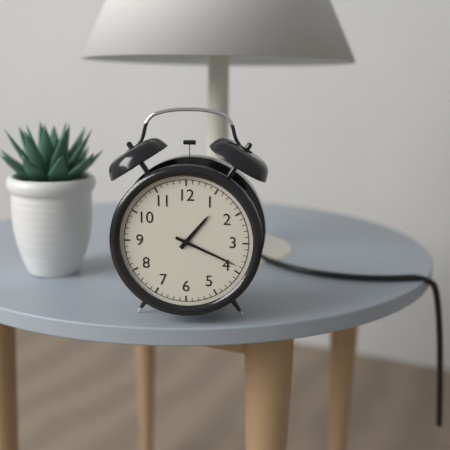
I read 1h19
